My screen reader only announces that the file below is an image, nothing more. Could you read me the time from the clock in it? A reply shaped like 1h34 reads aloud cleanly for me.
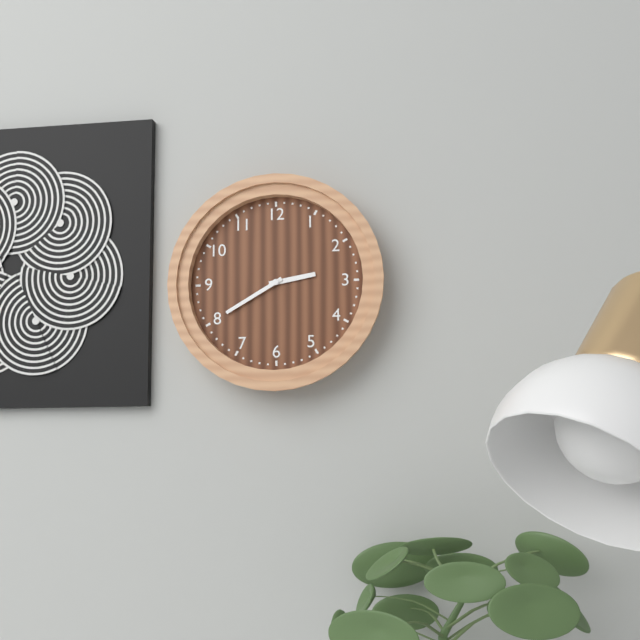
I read 2h40
